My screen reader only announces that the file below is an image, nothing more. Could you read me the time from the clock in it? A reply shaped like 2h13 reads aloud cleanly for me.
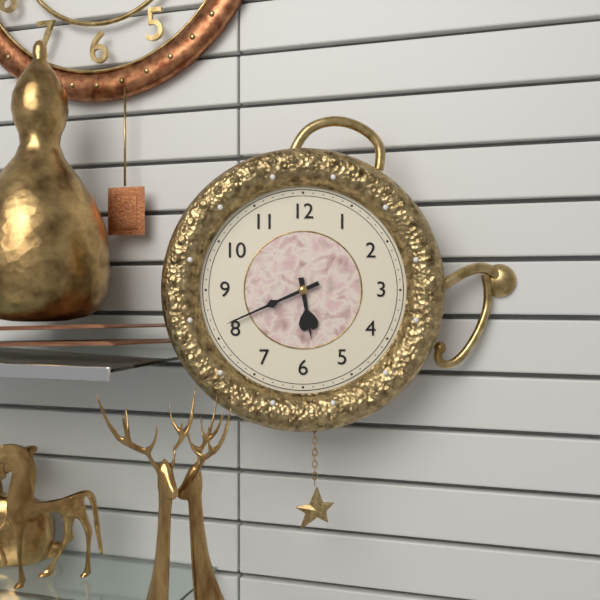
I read 5h41
